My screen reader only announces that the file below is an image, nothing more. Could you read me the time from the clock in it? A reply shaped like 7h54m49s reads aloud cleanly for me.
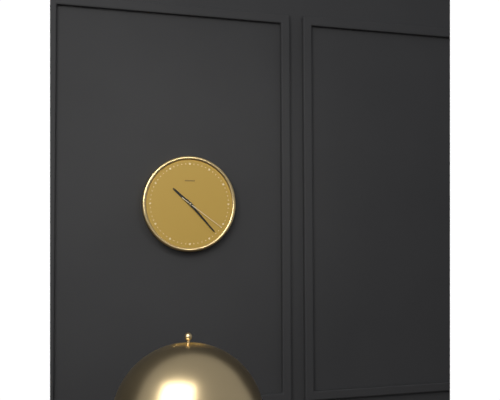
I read 10h23m21s
